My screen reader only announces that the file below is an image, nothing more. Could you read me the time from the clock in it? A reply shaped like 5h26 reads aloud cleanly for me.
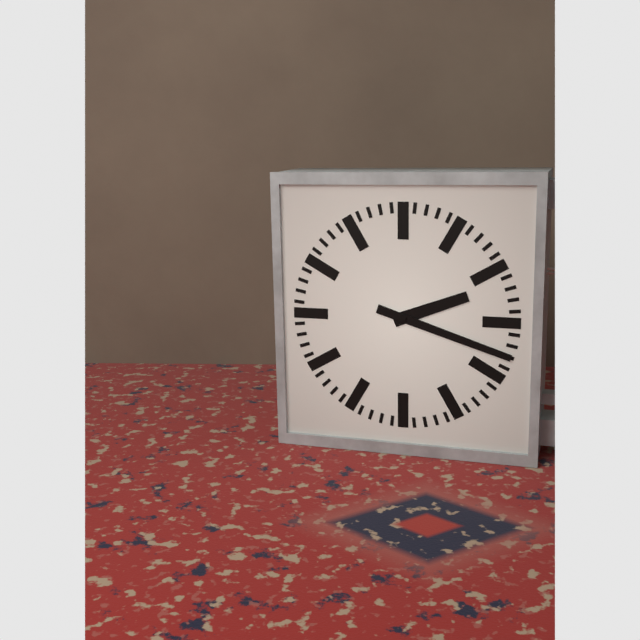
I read 2h18
